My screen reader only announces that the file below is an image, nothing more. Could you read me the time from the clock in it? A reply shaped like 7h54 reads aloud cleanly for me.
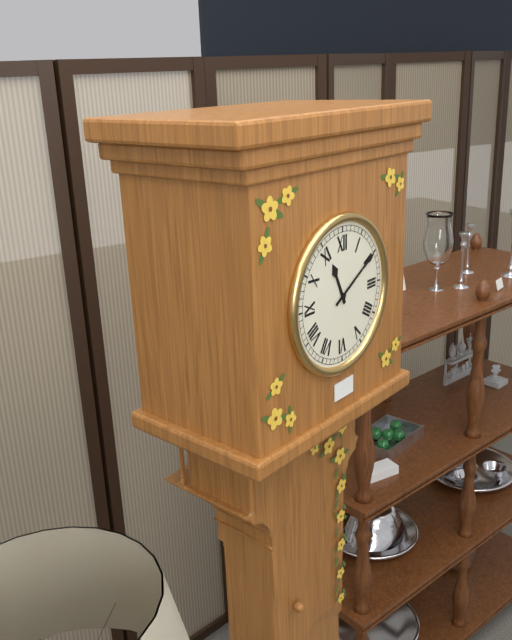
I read 11h10
